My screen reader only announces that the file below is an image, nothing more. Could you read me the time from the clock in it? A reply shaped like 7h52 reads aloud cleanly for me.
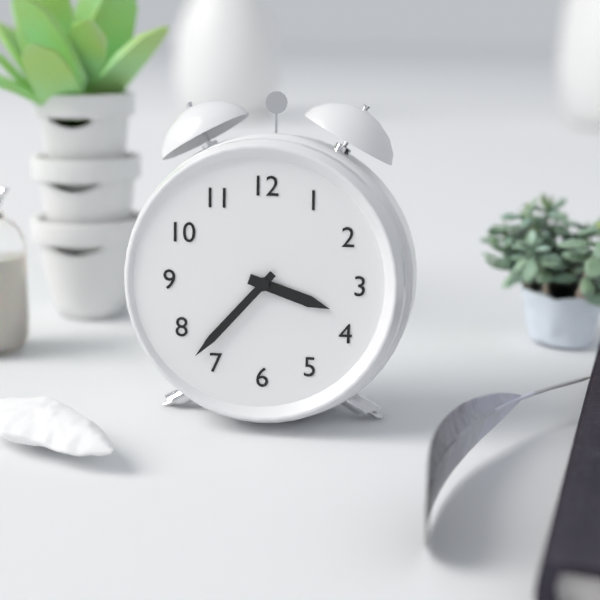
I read 3h37
